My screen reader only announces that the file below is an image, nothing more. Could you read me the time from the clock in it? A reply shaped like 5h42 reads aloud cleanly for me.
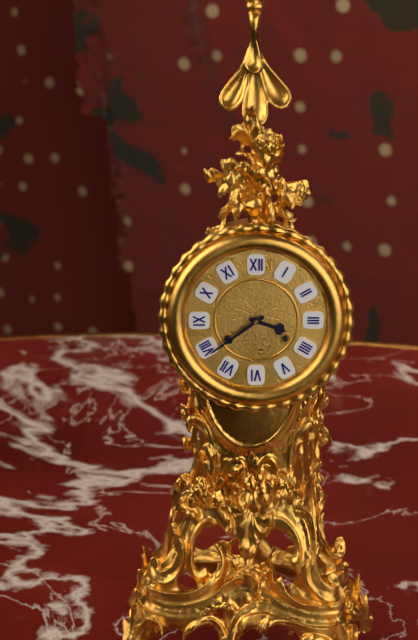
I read 3h39
